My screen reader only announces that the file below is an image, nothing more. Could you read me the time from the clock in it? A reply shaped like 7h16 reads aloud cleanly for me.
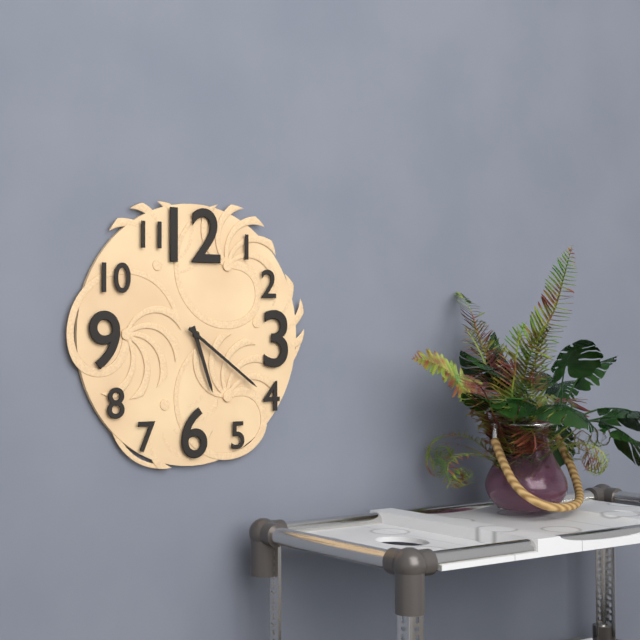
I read 5h21
